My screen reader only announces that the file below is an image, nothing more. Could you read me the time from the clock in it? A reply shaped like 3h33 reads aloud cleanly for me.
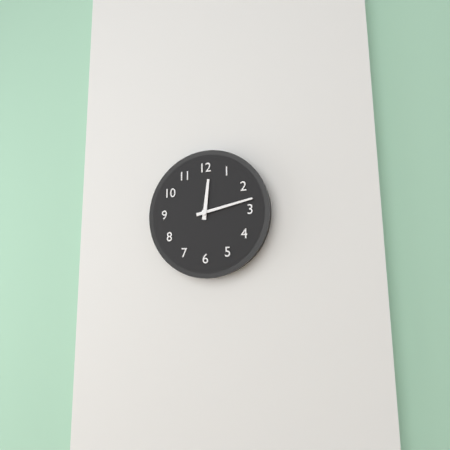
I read 12h13
